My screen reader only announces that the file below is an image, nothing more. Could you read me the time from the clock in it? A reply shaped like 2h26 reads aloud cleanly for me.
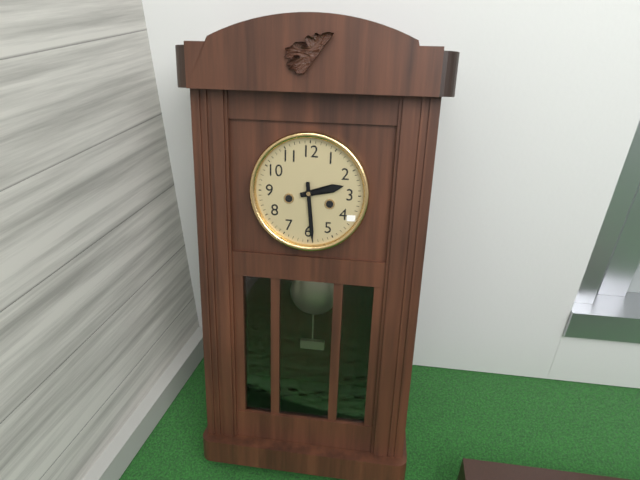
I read 2h29
